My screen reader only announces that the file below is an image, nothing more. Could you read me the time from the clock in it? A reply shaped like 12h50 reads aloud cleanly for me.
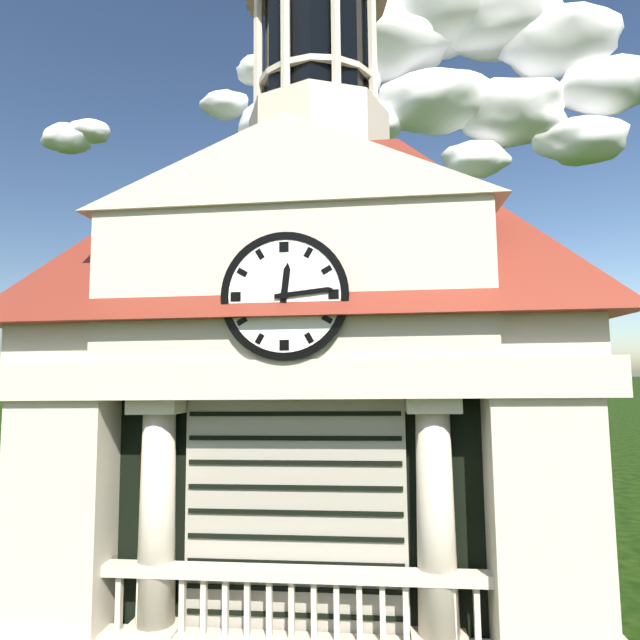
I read 12h14
